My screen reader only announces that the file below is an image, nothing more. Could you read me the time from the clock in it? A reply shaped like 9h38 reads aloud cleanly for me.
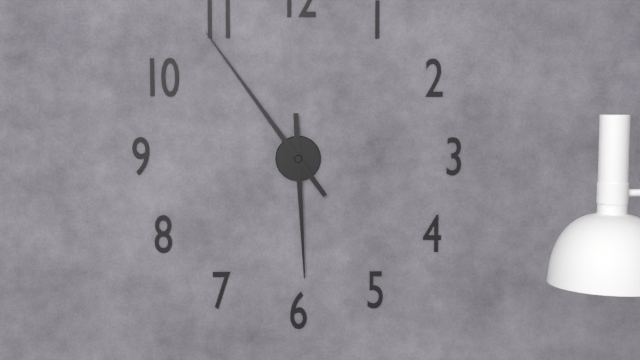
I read 5h54
